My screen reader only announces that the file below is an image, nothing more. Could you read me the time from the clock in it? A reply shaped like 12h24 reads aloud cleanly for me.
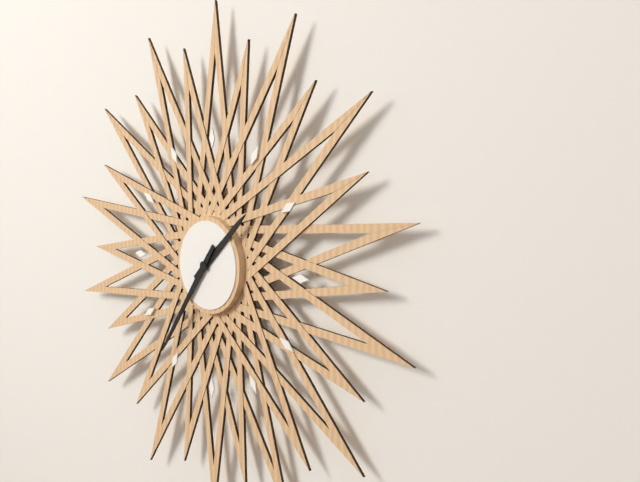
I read 1h36
